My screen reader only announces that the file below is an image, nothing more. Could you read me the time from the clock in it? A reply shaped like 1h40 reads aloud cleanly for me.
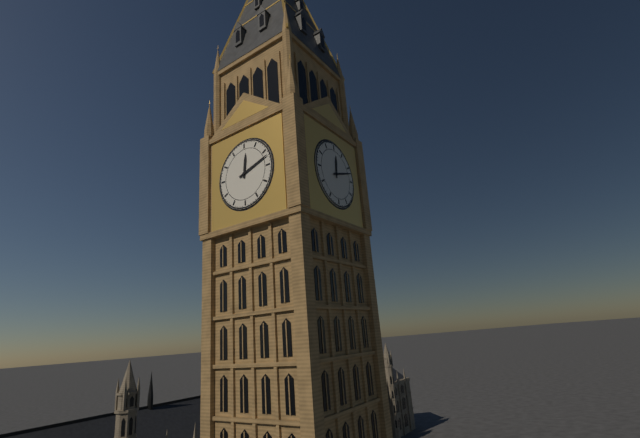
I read 12h12
